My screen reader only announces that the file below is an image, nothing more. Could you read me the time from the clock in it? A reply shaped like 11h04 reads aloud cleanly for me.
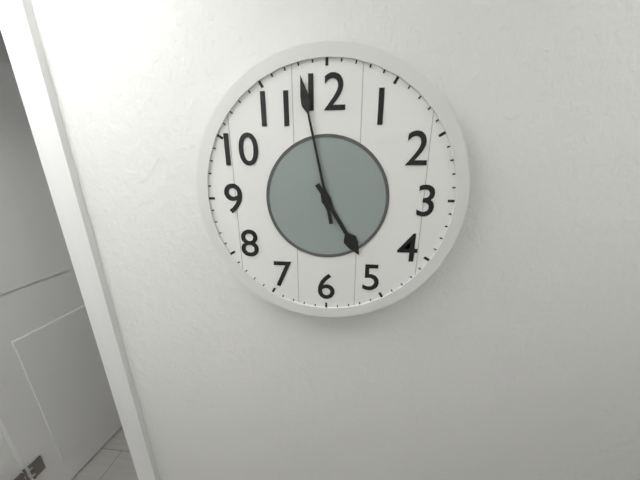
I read 4h58
